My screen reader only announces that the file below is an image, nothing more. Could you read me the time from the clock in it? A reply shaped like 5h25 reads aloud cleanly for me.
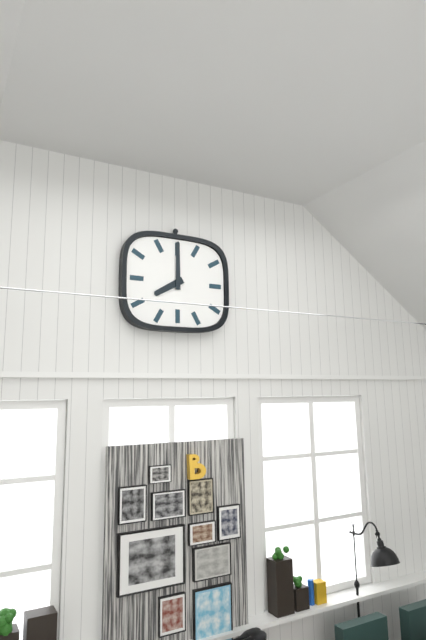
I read 8h00
